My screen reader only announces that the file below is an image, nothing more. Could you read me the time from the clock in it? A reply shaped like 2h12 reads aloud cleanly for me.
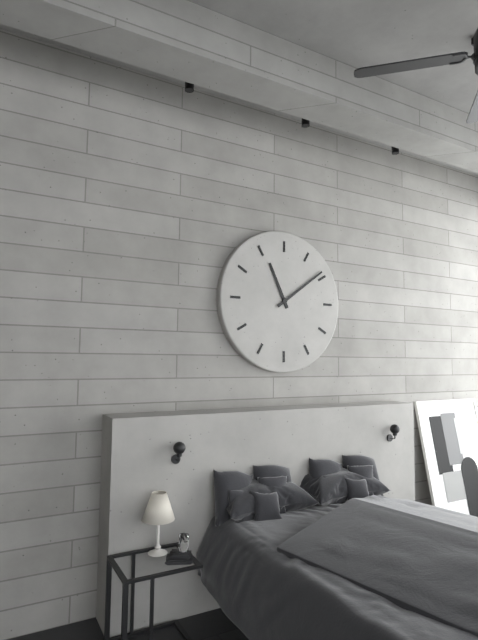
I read 11h09
